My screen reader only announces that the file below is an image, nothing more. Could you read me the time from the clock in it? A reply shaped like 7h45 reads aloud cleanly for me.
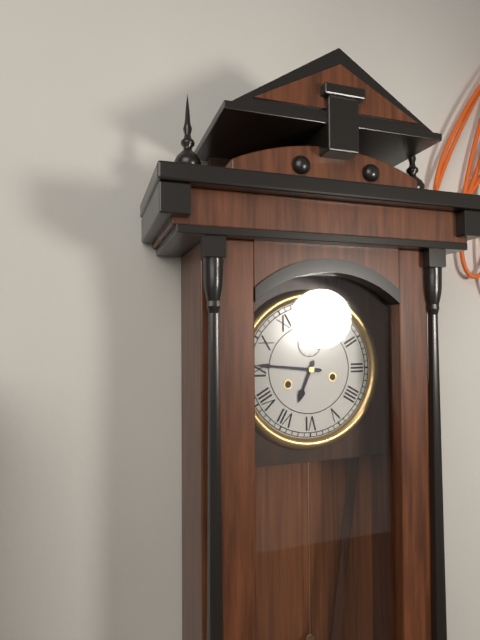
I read 6h46
